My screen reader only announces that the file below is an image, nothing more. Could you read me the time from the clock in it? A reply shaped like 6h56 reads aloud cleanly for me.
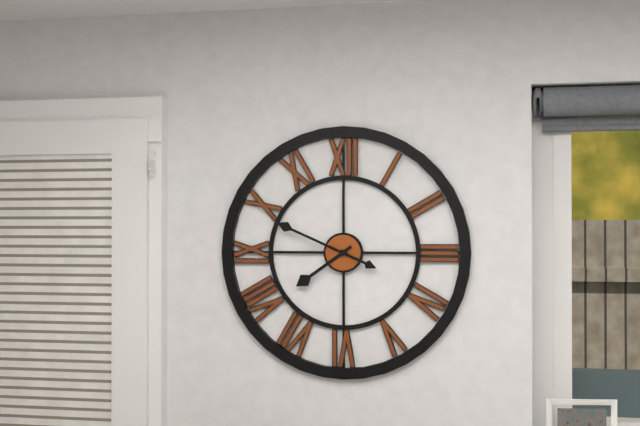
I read 7h49
